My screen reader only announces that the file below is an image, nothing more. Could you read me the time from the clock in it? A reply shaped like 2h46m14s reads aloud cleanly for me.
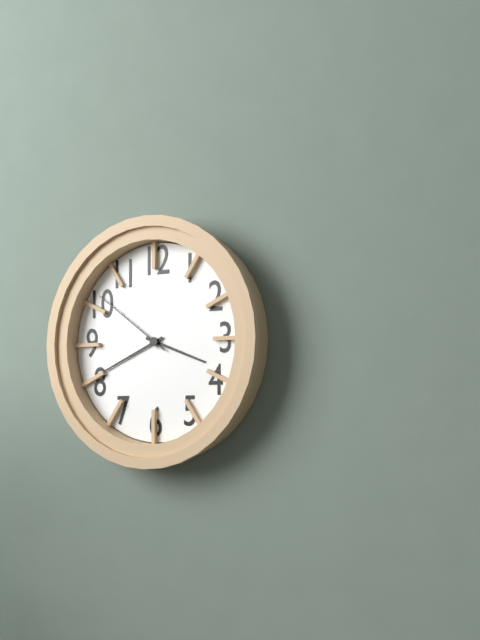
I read 3h41m51s
